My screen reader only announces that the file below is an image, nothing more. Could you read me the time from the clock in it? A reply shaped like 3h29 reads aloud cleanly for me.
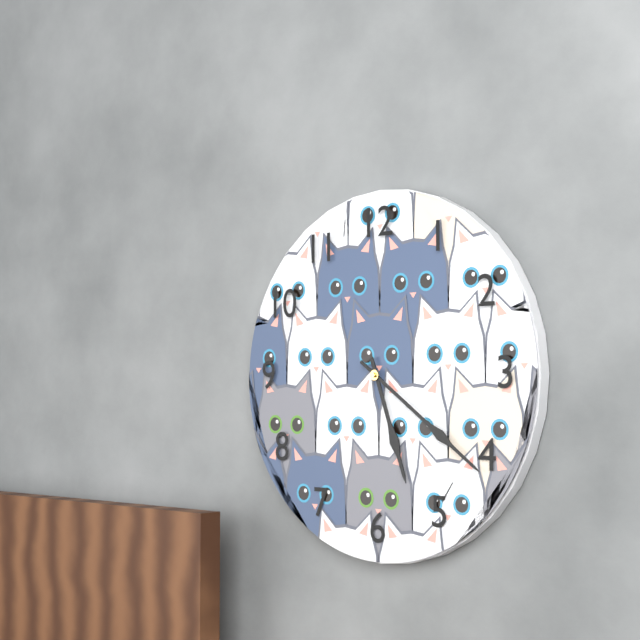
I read 5h21
